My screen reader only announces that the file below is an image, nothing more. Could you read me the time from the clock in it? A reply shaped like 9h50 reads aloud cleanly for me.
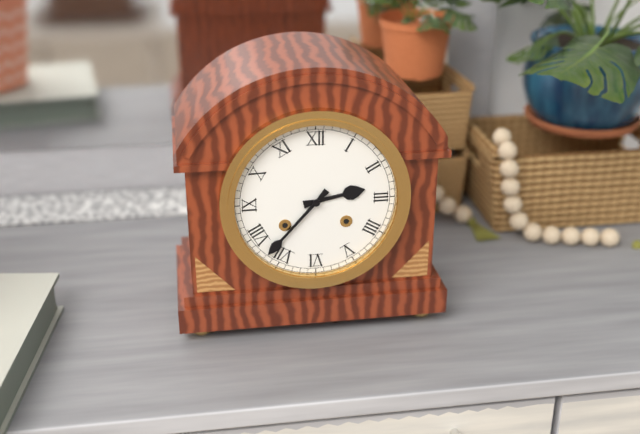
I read 2h37
